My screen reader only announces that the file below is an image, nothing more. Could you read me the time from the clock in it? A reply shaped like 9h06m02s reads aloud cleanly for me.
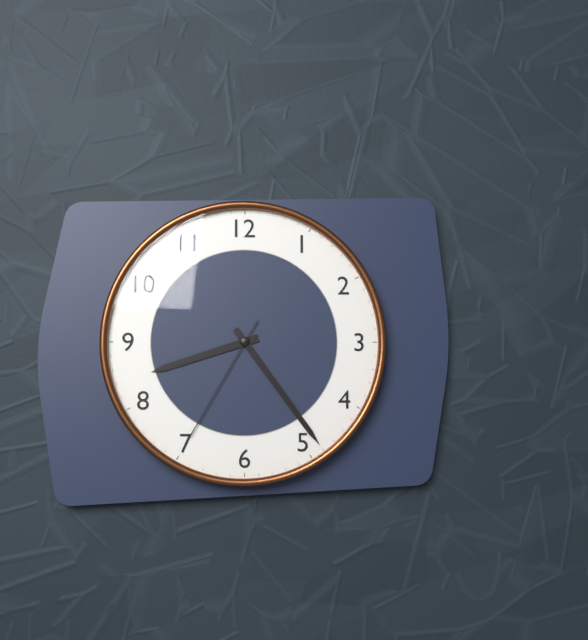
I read 8h24m35s
